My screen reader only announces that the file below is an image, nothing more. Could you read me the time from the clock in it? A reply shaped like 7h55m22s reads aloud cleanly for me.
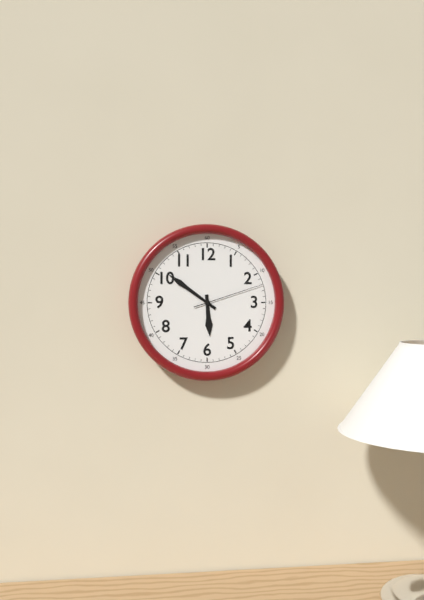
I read 5h51m12s
